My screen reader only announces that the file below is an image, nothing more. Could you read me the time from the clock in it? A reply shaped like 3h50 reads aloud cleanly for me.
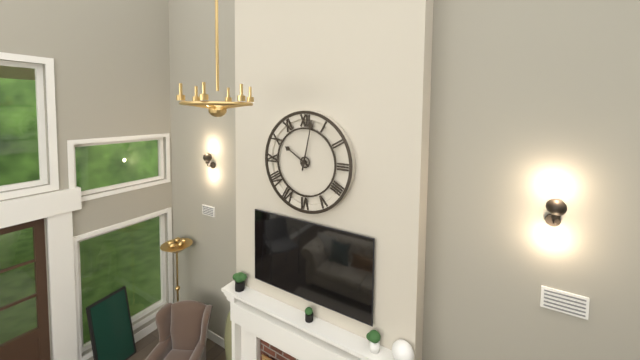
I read 10h02
